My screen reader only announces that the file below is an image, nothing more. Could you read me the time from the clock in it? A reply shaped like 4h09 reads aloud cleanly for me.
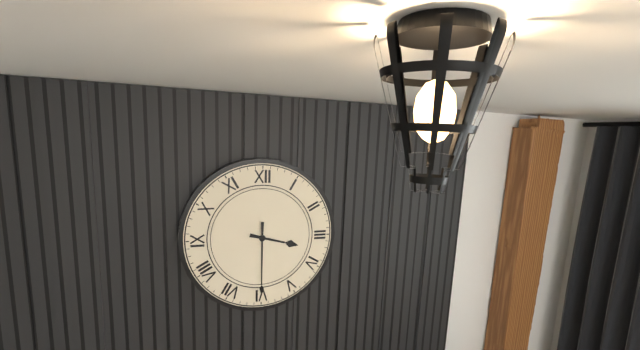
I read 3h30
